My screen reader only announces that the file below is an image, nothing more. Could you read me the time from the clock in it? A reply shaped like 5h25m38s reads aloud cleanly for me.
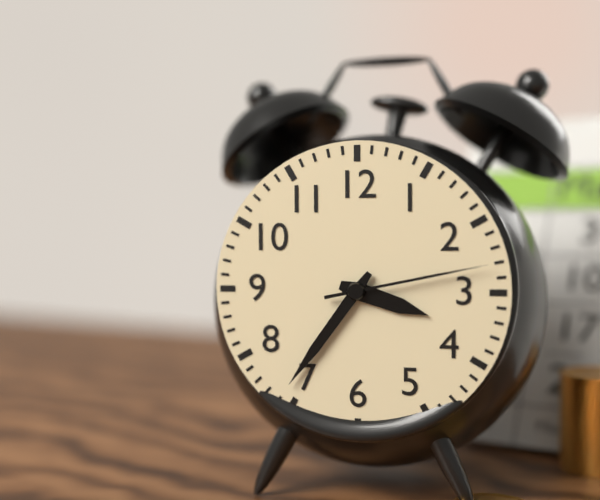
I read 3h36m13s
